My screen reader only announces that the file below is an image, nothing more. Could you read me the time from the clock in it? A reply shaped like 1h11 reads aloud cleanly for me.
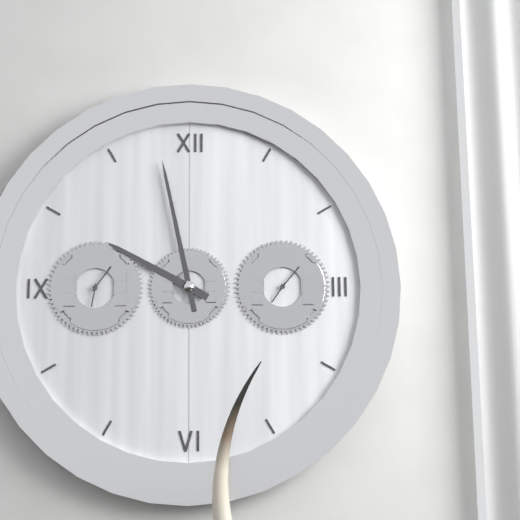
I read 9h58
